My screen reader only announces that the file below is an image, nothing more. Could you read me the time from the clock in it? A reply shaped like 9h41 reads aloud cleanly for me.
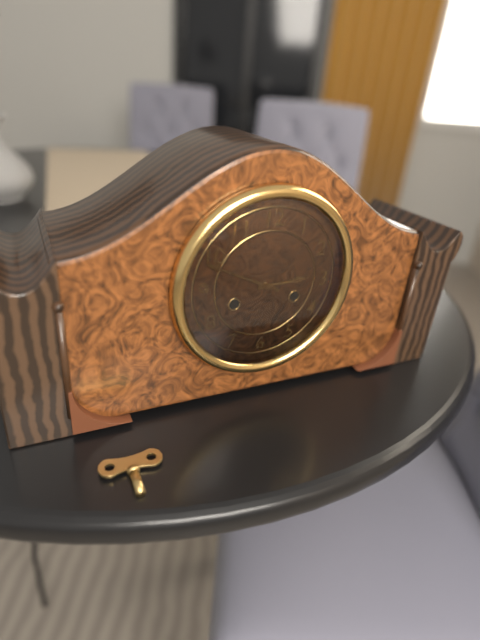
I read 2h49
